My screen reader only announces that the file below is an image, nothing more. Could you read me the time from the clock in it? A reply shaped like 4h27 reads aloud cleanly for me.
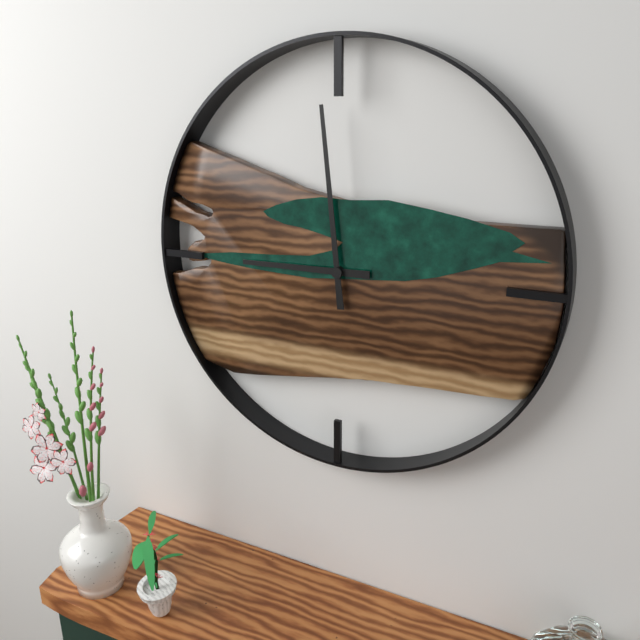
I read 8h59
